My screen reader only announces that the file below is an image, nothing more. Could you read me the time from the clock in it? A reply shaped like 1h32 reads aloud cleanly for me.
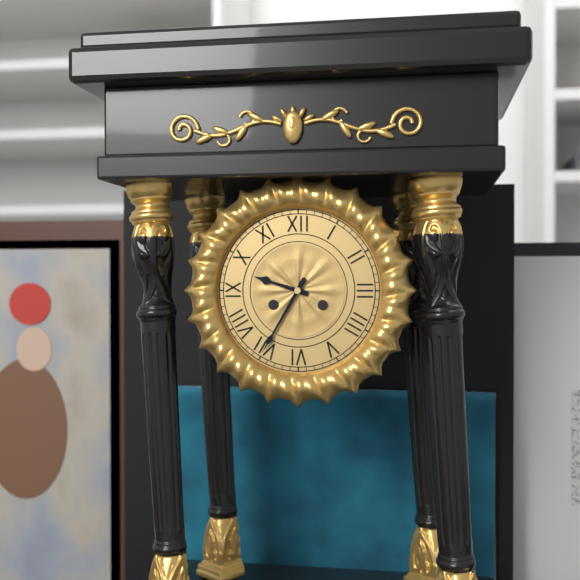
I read 9h35
